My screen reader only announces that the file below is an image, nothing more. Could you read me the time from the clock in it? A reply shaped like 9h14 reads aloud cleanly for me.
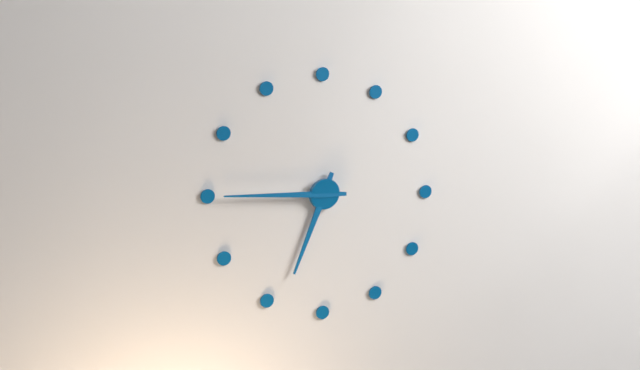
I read 6h45
